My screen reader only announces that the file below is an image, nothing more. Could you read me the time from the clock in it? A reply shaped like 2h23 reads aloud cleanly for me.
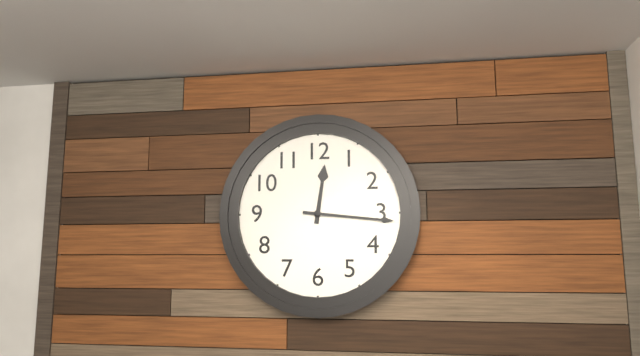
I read 12h16
